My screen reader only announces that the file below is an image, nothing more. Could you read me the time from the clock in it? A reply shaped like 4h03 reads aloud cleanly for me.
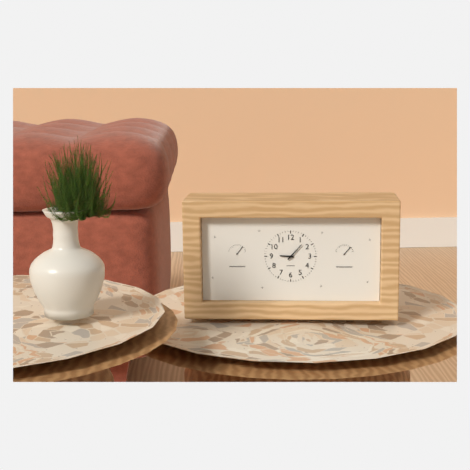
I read 9h07
